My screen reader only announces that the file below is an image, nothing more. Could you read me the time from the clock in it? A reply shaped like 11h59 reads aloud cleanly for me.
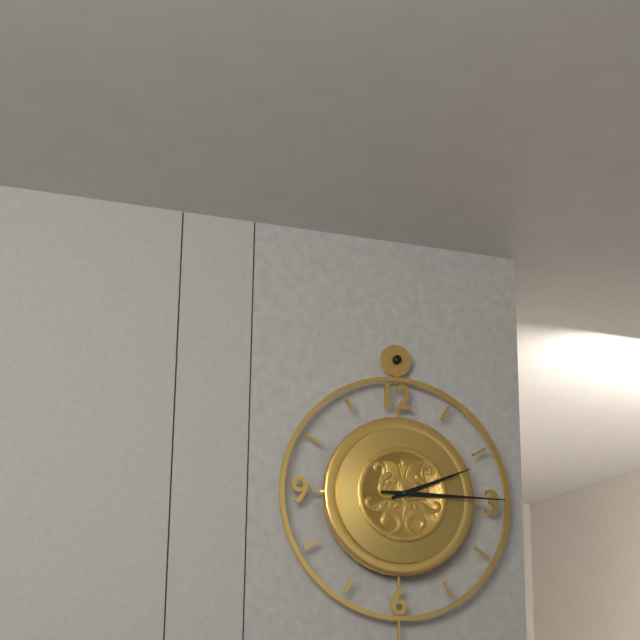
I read 2h15
